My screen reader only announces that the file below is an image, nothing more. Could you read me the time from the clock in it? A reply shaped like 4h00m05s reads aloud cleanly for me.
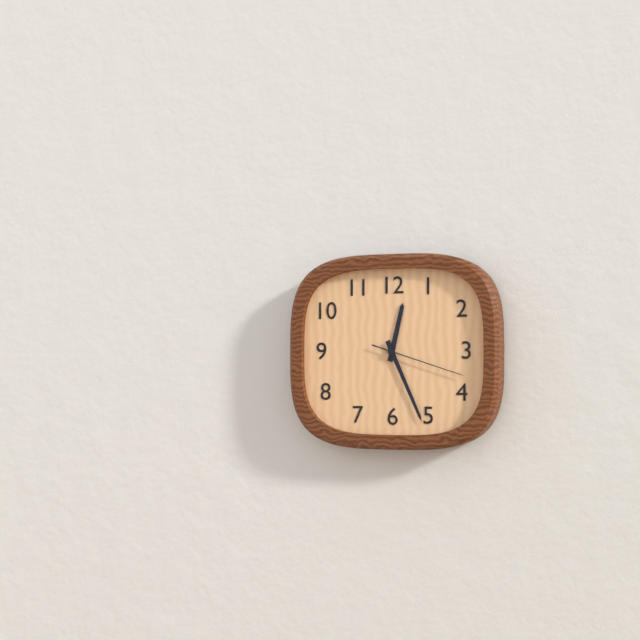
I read 12h26m18s
